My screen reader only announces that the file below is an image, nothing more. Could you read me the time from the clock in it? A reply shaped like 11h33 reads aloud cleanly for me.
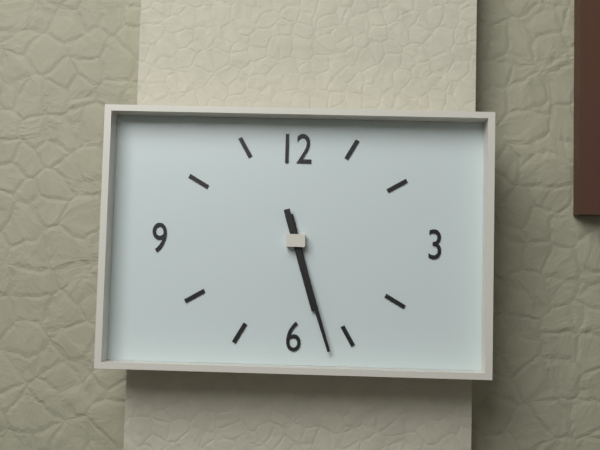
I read 5h27
